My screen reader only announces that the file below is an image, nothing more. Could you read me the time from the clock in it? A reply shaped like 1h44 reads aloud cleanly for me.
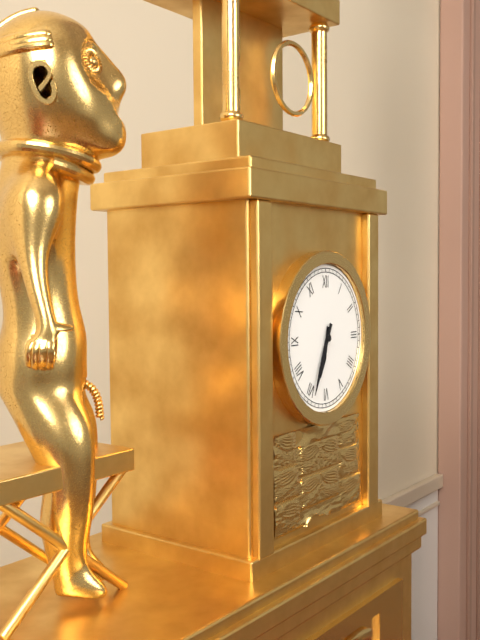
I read 6h34
